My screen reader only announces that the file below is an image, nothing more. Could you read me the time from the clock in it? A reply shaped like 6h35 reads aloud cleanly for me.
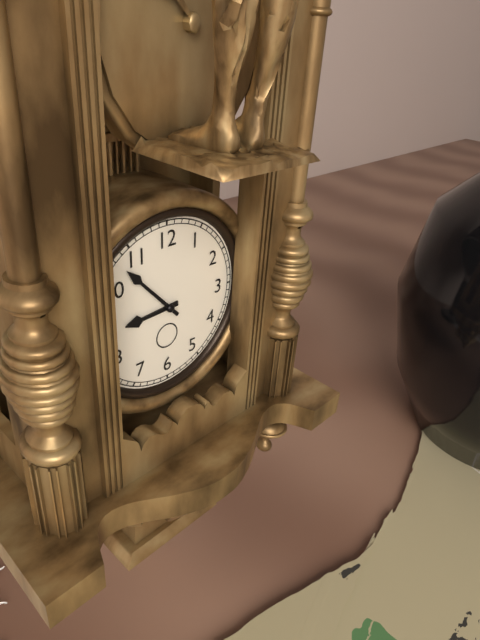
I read 8h53
